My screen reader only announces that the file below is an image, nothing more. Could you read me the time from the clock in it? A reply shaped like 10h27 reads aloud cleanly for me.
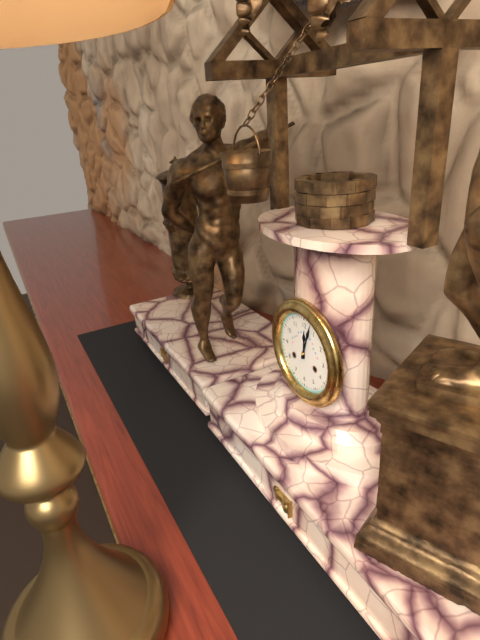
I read 12h03
